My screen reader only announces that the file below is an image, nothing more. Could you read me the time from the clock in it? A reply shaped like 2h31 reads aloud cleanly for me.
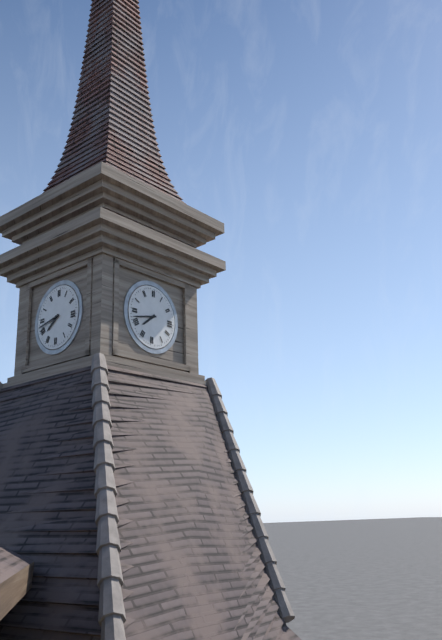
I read 7h43
